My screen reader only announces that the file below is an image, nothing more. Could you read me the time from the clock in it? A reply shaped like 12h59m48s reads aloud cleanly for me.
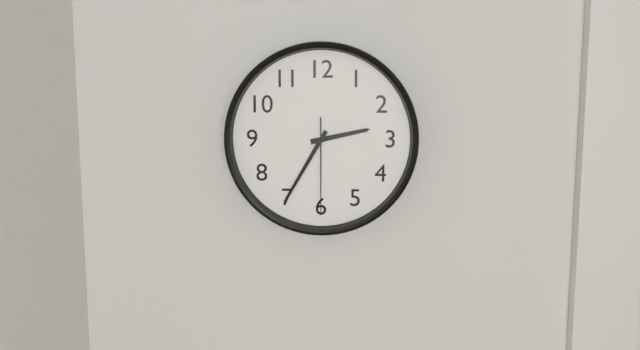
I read 2h35m30s
